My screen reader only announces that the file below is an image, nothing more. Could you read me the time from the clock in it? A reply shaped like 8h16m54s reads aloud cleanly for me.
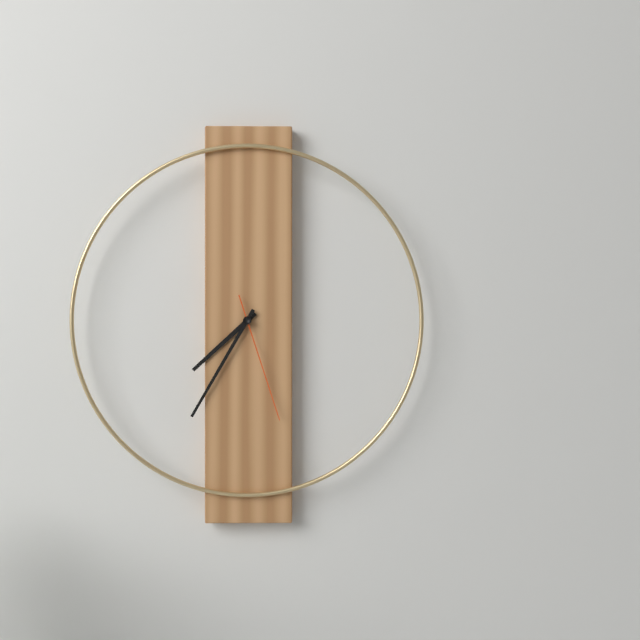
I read 7h35m27s
